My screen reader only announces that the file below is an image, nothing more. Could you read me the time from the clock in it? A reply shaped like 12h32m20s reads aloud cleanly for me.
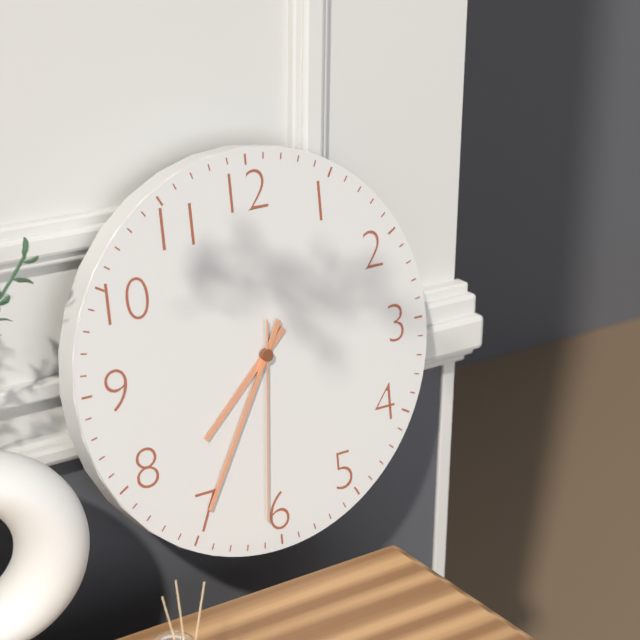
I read 7h35m31s
